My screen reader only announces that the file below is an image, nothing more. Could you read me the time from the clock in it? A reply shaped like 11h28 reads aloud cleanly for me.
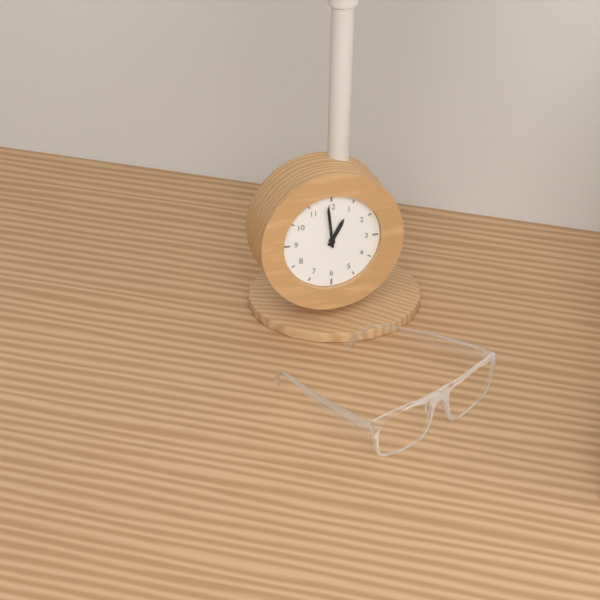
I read 12h59
